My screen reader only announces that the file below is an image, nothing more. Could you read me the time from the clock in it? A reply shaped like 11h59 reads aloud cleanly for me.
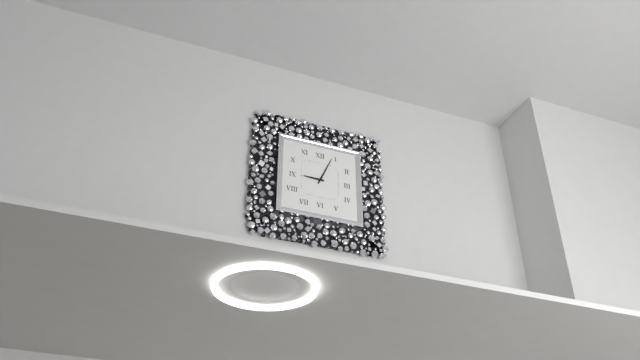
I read 9h04
